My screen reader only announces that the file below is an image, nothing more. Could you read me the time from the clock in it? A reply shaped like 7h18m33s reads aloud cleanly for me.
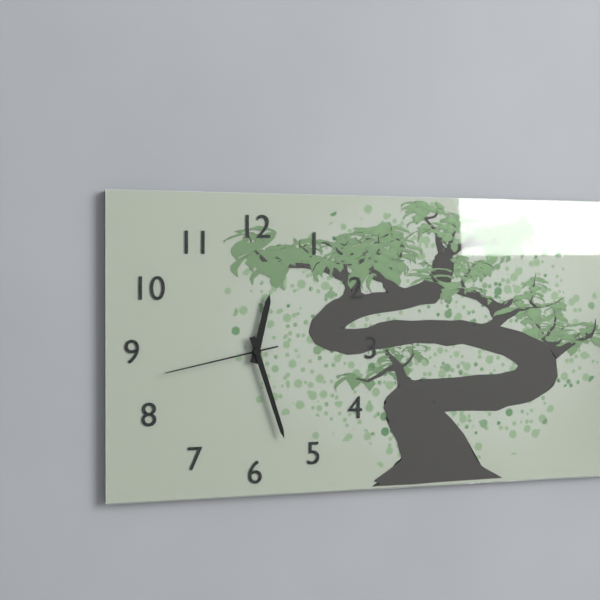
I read 12h27m43s
